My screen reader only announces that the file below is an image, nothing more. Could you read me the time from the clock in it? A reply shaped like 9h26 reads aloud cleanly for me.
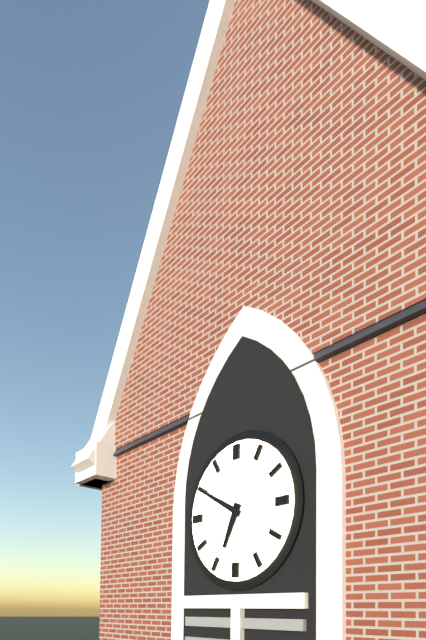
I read 6h50
